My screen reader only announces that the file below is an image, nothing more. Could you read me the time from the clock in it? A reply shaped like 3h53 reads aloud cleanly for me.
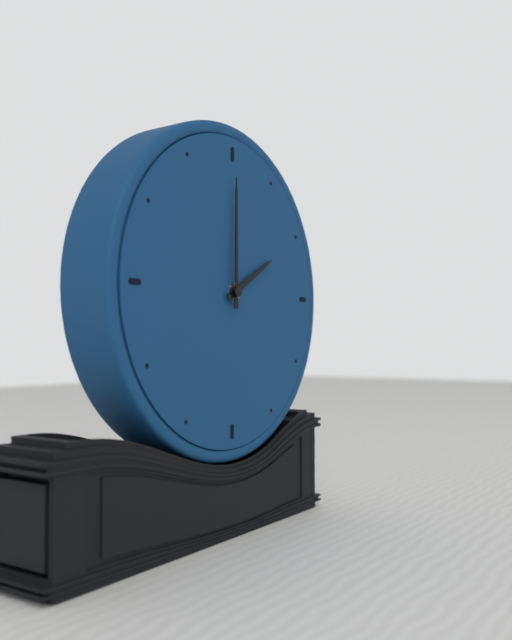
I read 2h00
